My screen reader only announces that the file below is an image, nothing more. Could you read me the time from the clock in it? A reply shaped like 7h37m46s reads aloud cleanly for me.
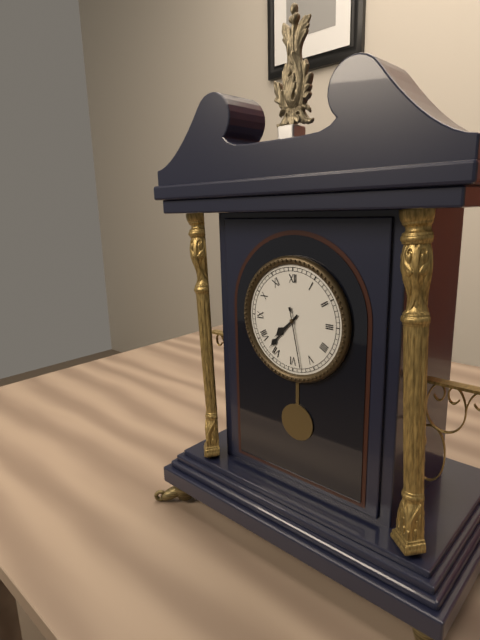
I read 7h37m28s
